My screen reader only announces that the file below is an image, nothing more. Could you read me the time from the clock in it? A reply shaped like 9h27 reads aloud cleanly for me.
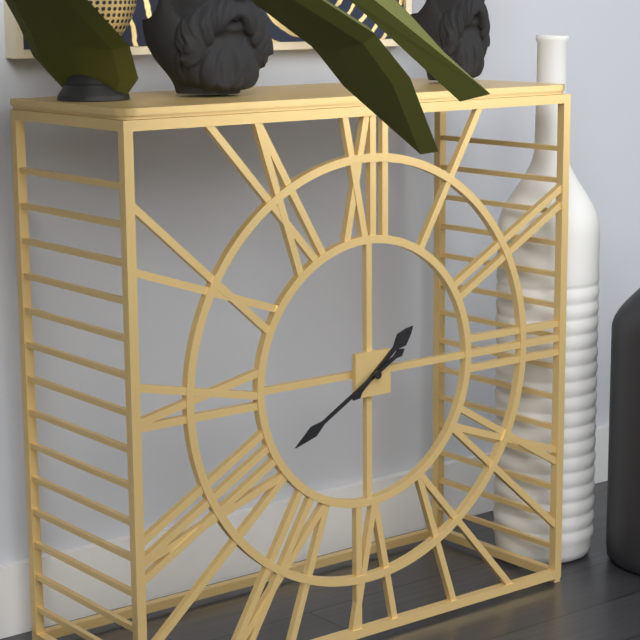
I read 1h40
